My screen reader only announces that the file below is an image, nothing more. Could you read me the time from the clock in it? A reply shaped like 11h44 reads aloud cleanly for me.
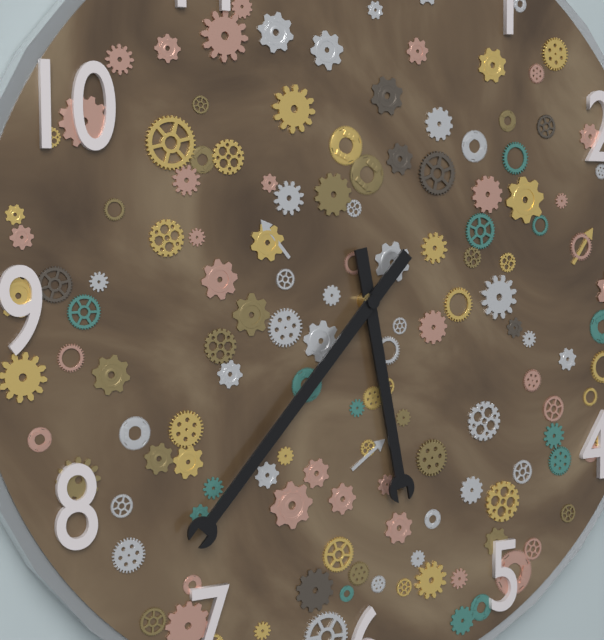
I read 5h37
